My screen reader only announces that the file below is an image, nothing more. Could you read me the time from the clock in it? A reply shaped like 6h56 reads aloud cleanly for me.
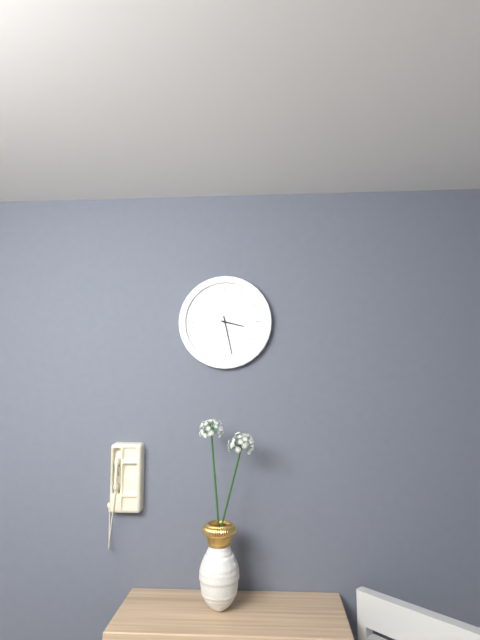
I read 3h28
